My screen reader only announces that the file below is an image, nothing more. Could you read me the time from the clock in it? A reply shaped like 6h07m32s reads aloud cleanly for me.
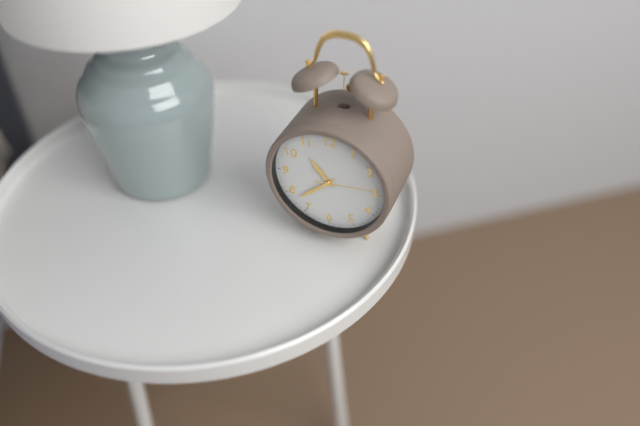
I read 10h38m14s
